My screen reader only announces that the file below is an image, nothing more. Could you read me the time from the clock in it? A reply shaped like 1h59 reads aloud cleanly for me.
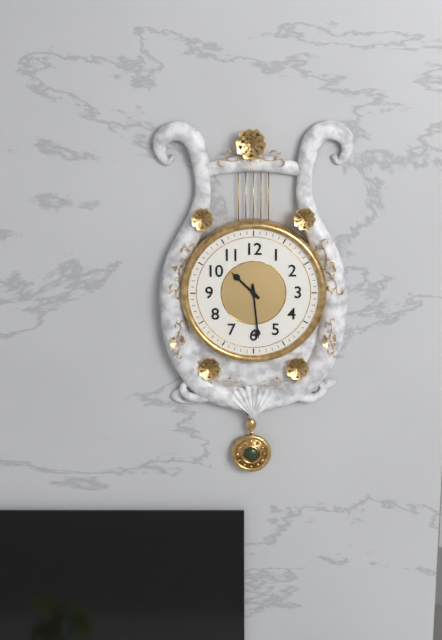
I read 10h29
